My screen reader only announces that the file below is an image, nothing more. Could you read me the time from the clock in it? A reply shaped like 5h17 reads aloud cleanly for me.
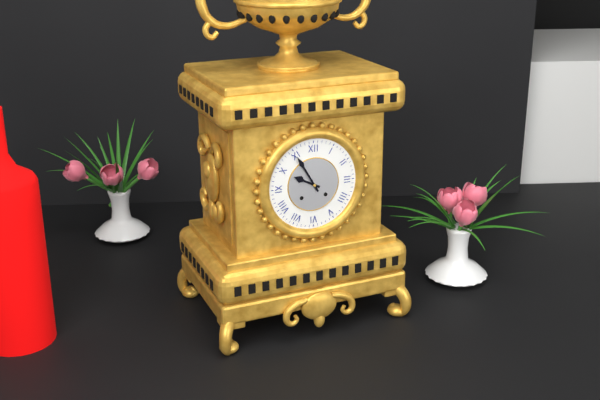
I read 9h55
